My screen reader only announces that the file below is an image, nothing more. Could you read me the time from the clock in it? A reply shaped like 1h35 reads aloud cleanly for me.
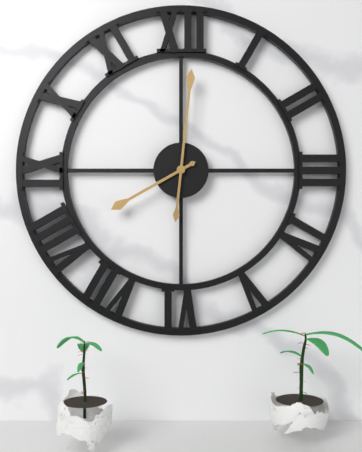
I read 8h01
